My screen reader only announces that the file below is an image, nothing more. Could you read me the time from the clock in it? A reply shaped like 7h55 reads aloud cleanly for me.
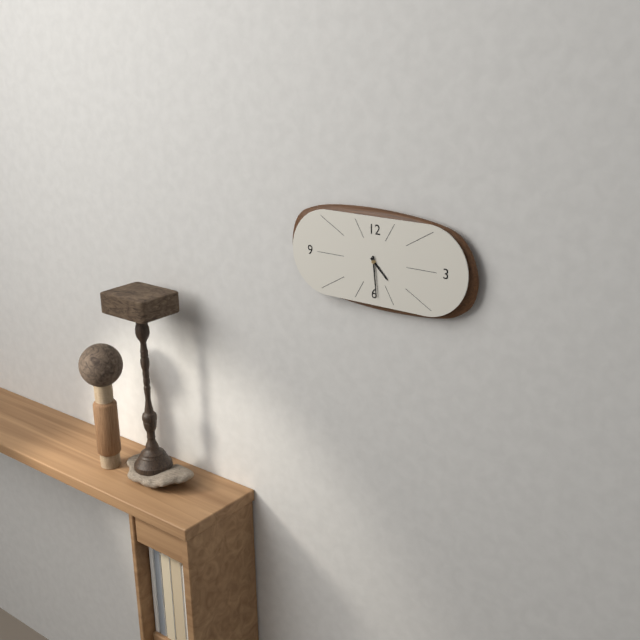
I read 4h29
